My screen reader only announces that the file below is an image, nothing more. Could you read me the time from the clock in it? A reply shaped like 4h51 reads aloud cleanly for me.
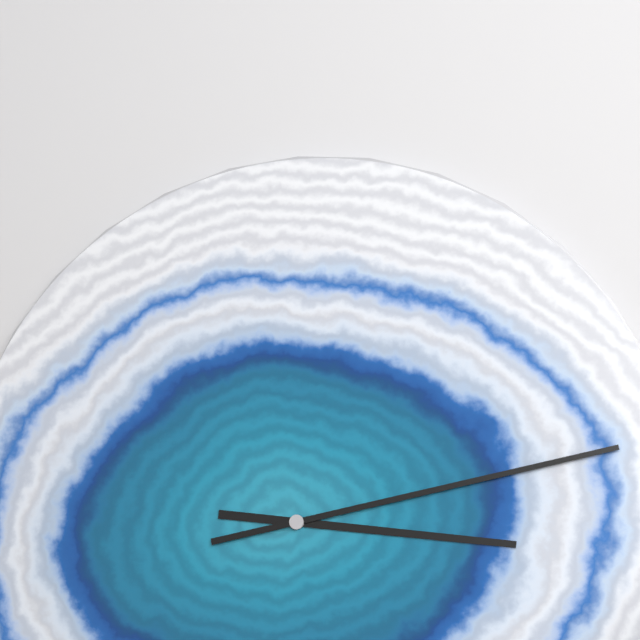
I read 3h13
